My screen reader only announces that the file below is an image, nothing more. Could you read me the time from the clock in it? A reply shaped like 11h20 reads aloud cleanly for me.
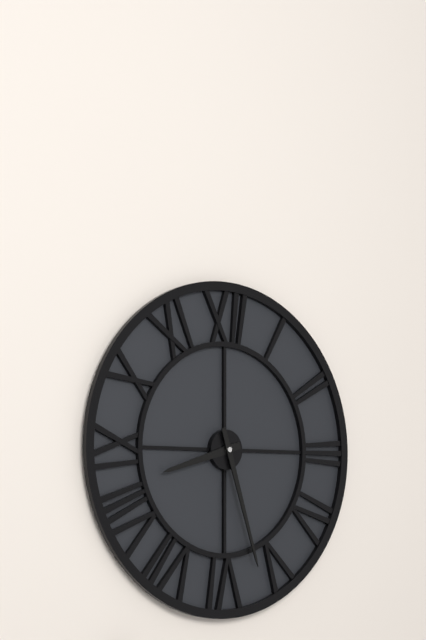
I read 8h27
